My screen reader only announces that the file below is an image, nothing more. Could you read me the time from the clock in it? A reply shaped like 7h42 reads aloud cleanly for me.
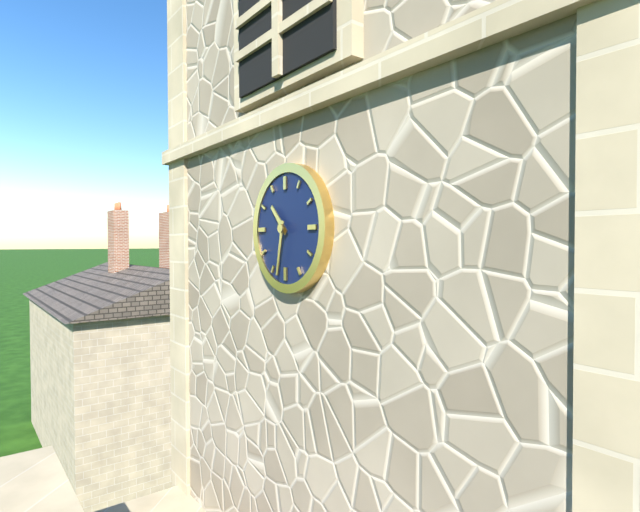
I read 10h32
